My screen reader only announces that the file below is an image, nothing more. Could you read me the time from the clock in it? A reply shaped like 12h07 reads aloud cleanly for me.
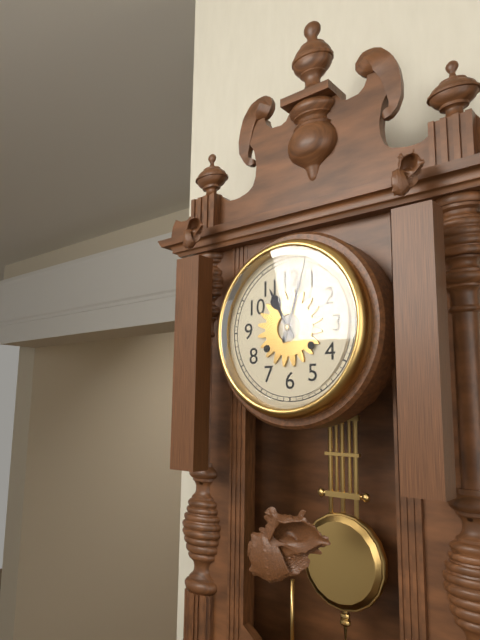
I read 11h03
